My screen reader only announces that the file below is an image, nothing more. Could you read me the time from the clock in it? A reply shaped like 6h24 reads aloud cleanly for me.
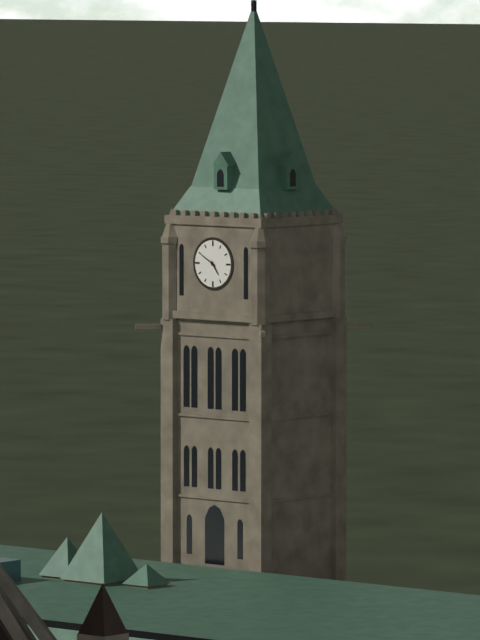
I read 4h50
